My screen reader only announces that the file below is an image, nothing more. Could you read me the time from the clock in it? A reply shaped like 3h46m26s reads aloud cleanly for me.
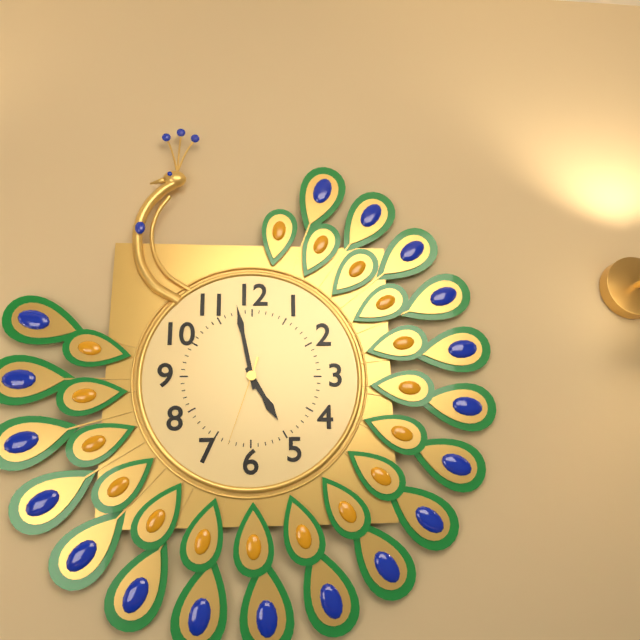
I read 4h58m33s
